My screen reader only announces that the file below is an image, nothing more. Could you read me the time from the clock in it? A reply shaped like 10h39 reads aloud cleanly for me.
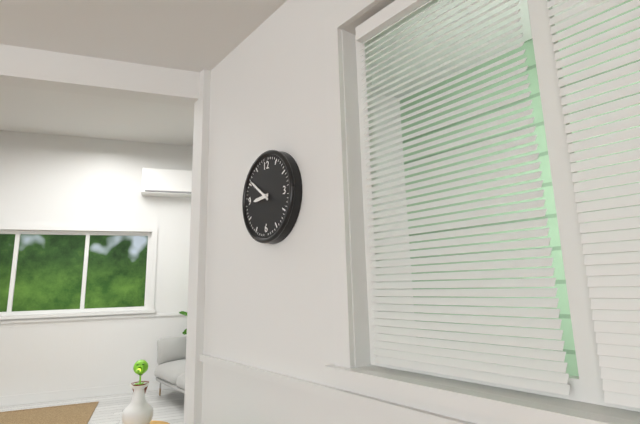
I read 8h51
